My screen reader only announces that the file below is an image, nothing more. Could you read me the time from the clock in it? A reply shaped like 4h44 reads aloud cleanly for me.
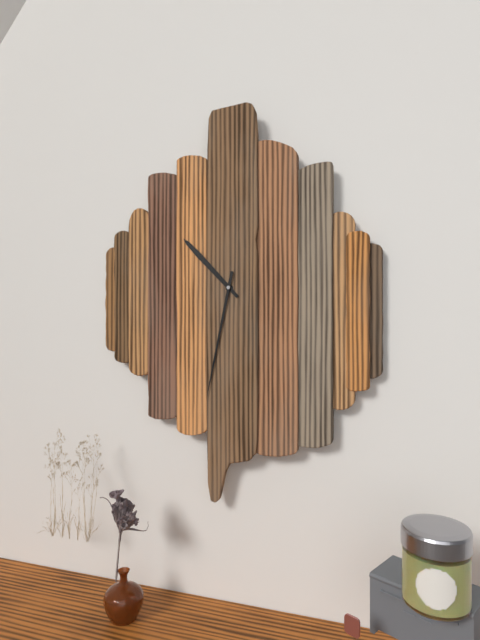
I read 10h32
